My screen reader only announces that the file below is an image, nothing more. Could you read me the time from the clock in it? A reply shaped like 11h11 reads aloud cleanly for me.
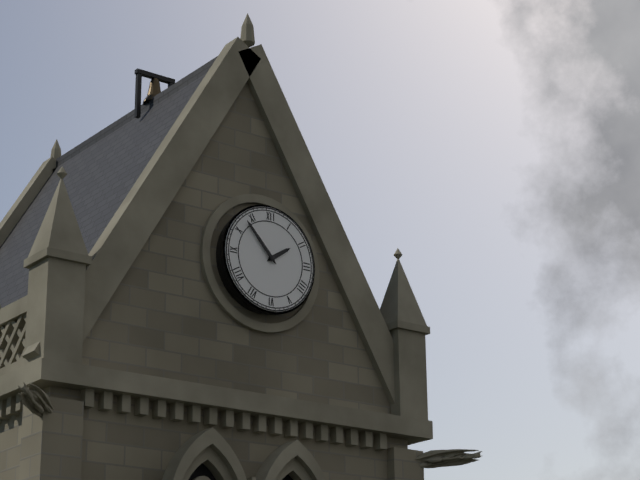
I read 1h53
